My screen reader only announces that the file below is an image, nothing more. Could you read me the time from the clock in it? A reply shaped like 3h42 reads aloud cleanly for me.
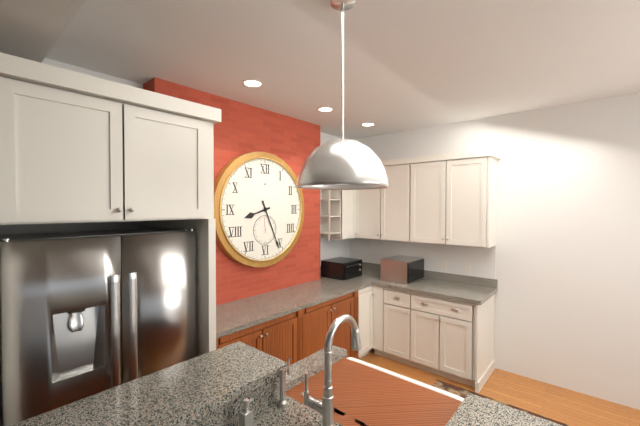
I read 8h26
